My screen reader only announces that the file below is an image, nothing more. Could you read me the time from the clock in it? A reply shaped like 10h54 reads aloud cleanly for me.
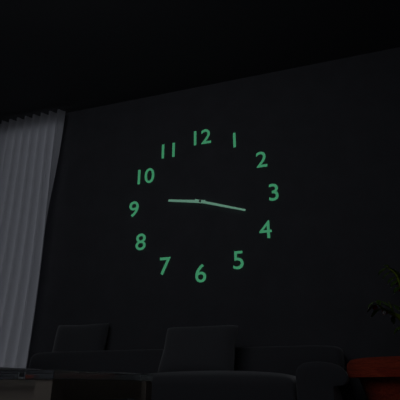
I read 9h18
